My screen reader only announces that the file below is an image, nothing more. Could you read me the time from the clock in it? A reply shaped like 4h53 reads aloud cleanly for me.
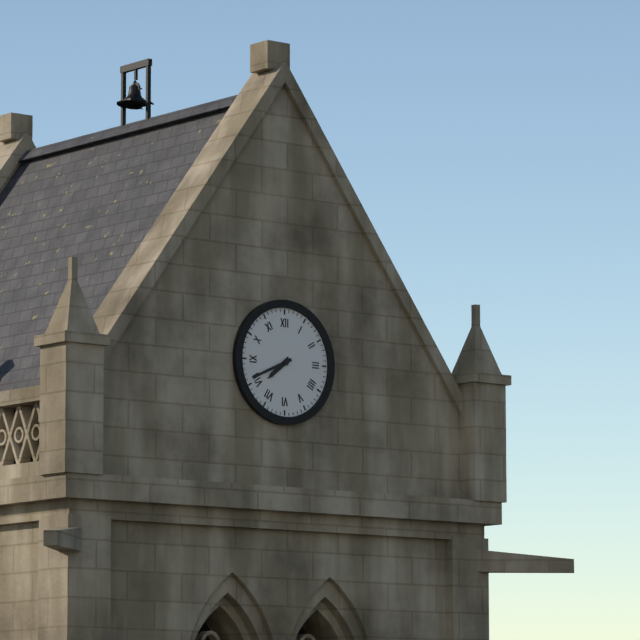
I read 7h41
